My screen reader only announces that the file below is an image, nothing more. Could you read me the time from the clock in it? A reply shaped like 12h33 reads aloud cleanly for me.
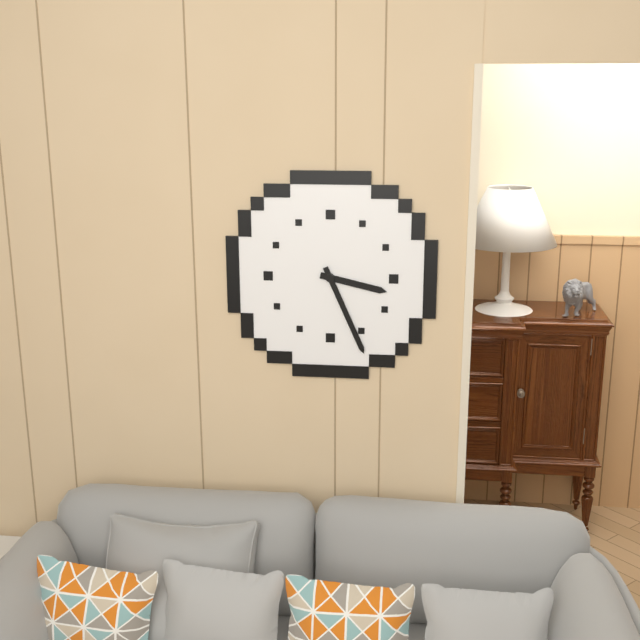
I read 3h26
